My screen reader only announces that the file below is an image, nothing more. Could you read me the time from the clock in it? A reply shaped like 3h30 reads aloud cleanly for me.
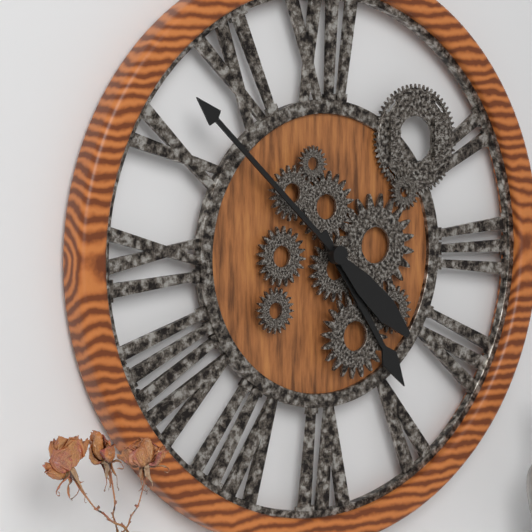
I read 4h52
